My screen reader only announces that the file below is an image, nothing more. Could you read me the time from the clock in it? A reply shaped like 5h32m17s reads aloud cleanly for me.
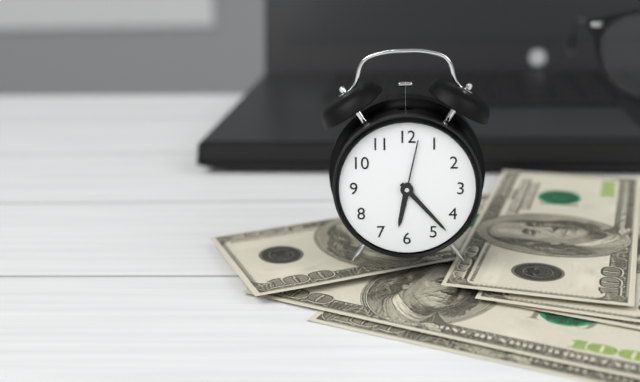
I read 6h23m02s
